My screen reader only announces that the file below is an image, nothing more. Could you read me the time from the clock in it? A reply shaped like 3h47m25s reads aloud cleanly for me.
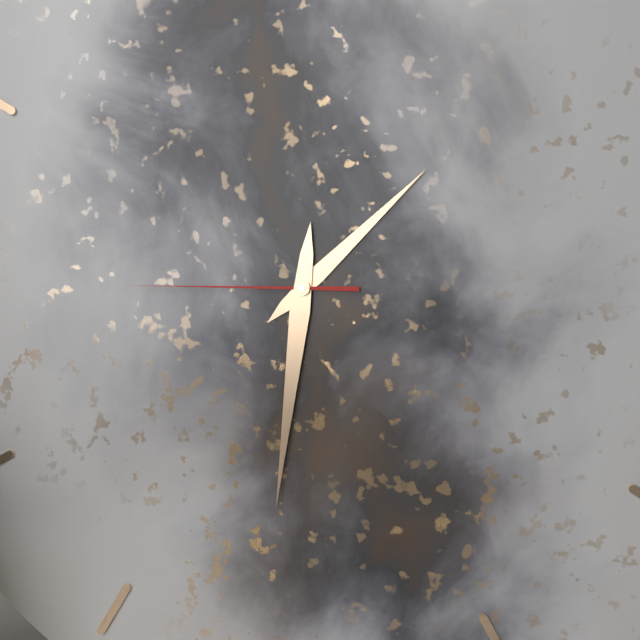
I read 1h31m45s
